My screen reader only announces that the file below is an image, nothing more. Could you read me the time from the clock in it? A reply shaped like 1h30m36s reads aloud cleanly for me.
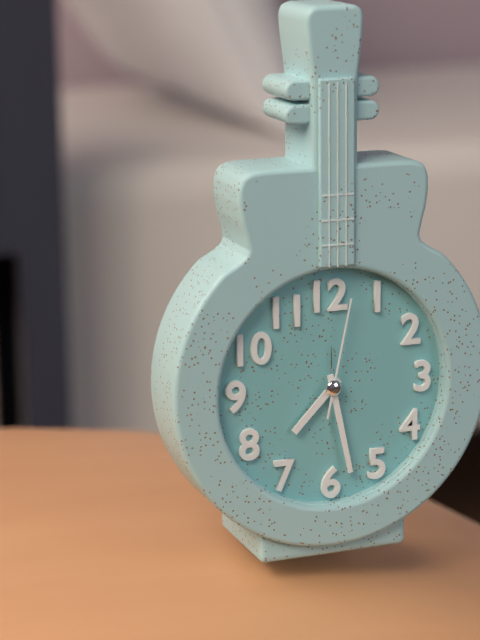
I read 7h28m02s
